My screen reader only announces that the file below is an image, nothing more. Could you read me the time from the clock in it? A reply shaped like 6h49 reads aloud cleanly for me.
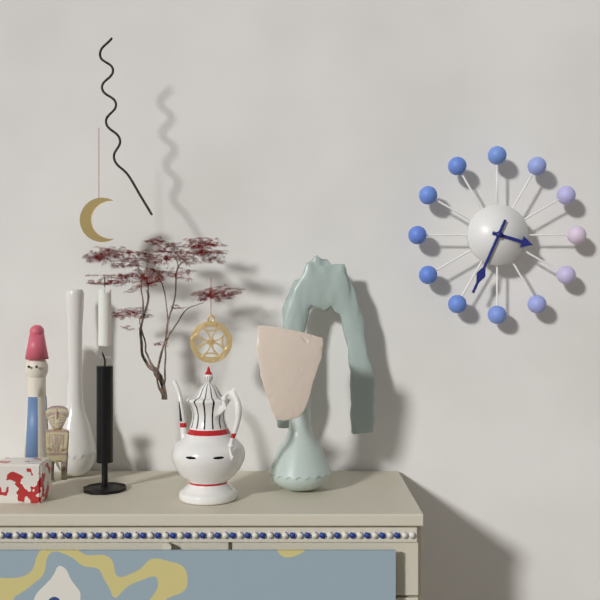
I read 3h34
